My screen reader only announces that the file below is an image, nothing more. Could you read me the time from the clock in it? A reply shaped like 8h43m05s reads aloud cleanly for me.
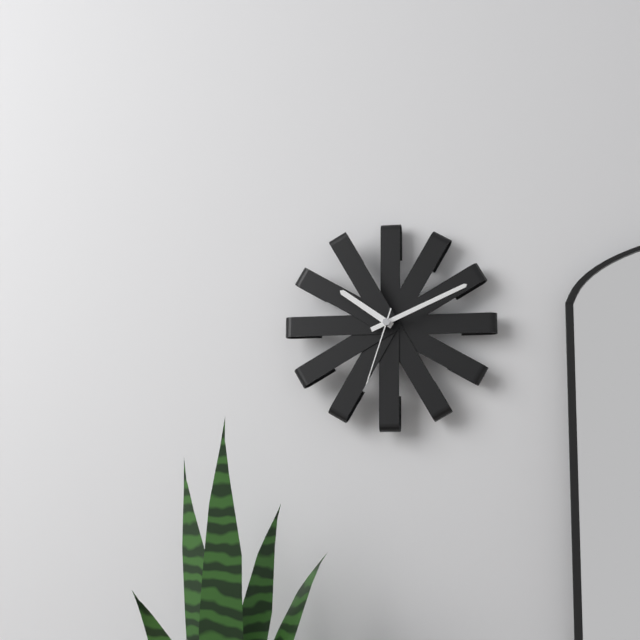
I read 10h11m33s
